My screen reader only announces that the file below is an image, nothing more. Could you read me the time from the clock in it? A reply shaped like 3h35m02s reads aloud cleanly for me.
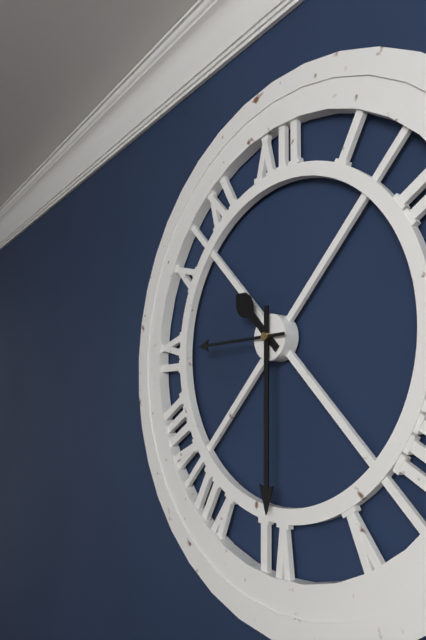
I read 10h30m45s
